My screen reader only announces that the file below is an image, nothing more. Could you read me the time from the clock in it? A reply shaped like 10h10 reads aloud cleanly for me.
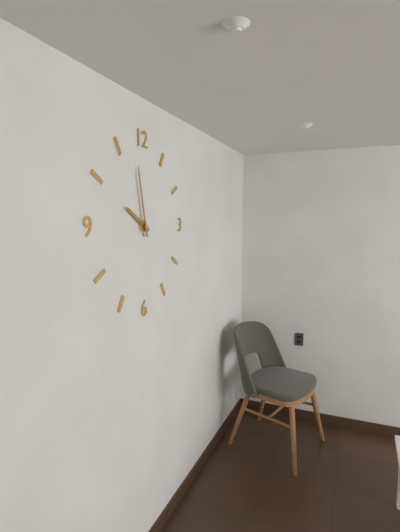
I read 9h58
